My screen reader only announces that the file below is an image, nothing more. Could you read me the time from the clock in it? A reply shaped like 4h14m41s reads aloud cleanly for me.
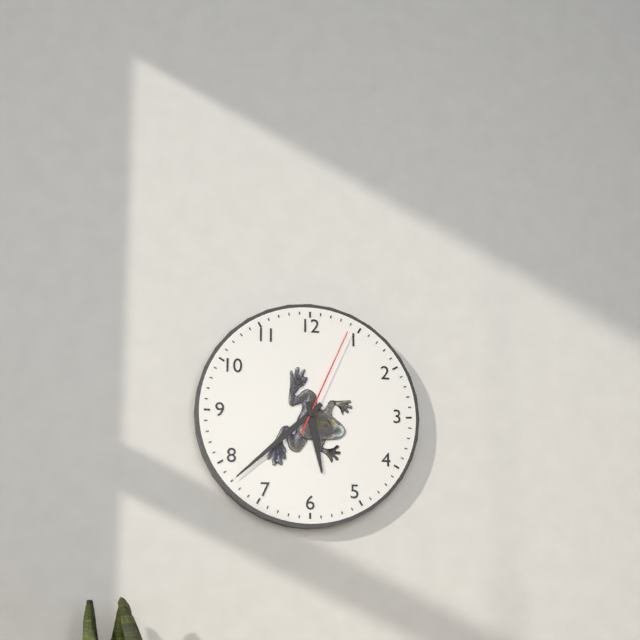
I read 5h38m04s
